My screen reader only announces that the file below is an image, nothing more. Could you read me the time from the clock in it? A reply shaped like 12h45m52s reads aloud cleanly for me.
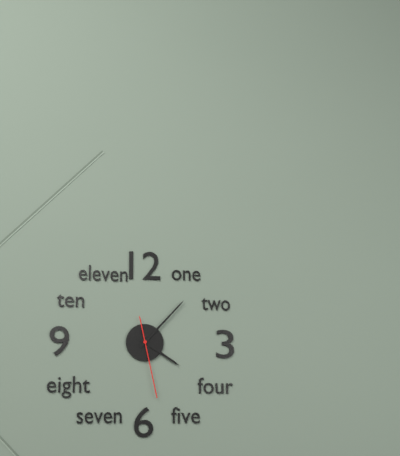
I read 4h07m28s
